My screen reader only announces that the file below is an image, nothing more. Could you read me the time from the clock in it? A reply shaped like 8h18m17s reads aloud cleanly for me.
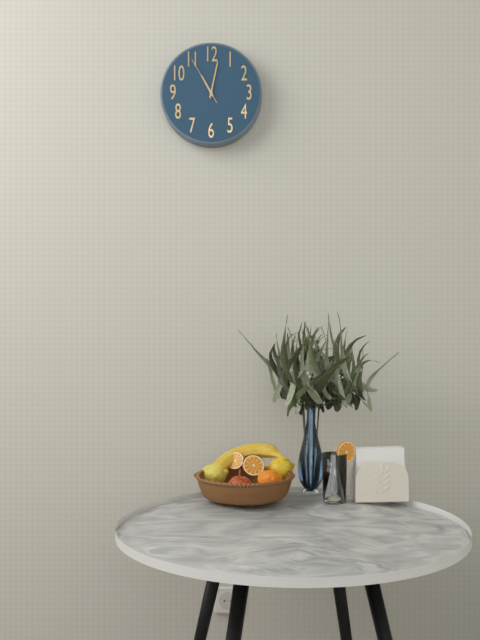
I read 11h02m55s
